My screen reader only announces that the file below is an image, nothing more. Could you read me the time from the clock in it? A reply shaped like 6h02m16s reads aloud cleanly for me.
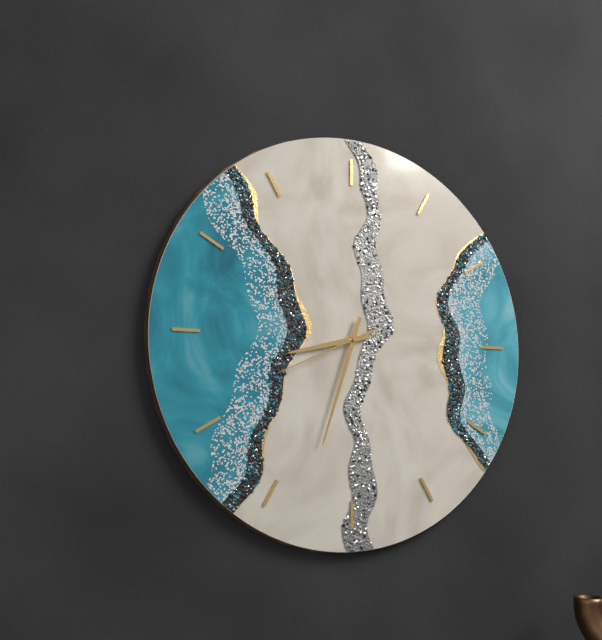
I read 8h33m41s
